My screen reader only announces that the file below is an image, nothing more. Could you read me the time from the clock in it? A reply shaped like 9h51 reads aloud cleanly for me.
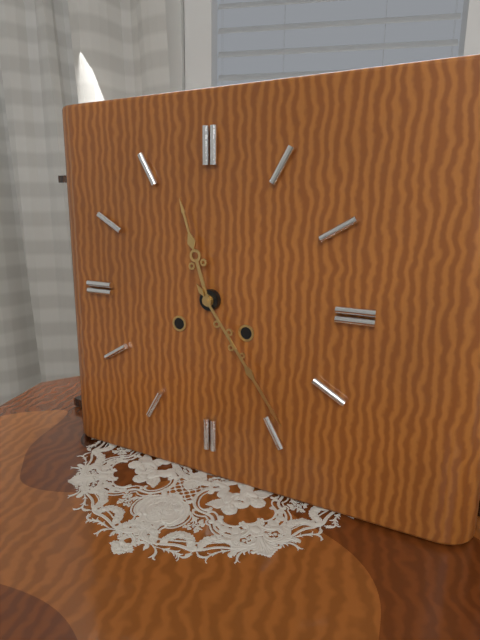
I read 11h24
